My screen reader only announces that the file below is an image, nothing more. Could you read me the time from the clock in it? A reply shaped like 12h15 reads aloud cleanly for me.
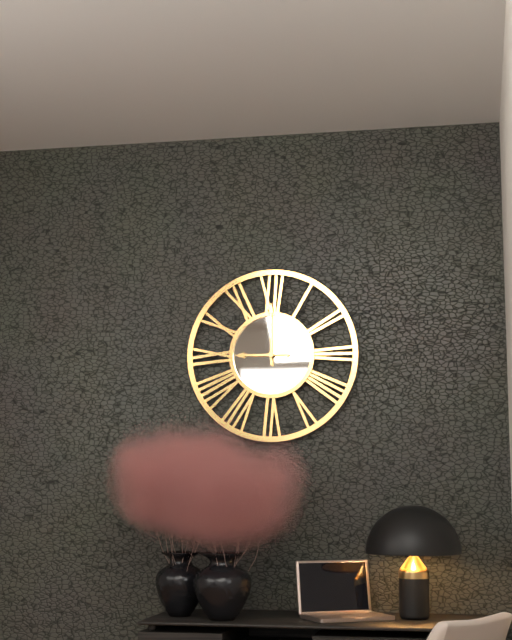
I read 9h00
